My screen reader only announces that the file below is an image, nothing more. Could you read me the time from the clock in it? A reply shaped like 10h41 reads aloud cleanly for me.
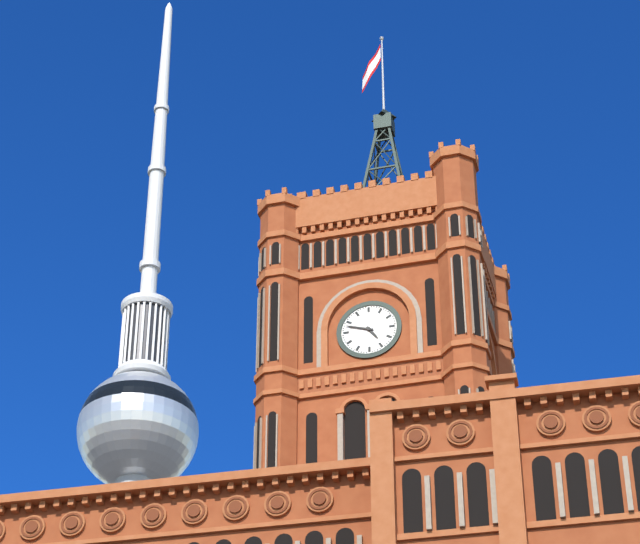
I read 4h48
